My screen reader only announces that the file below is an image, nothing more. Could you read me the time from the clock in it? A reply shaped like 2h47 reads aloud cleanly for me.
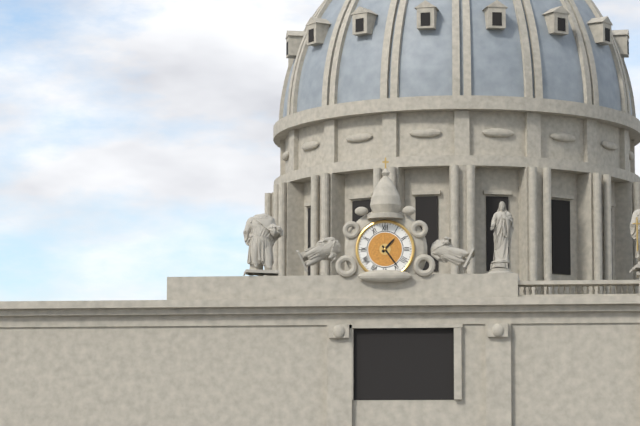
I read 1h24
